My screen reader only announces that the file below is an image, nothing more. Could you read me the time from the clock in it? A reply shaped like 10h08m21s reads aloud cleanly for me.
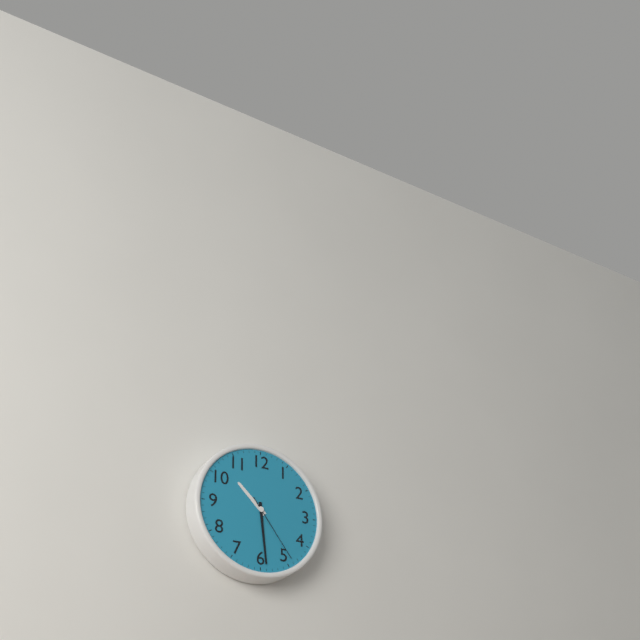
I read 10h29m24s
